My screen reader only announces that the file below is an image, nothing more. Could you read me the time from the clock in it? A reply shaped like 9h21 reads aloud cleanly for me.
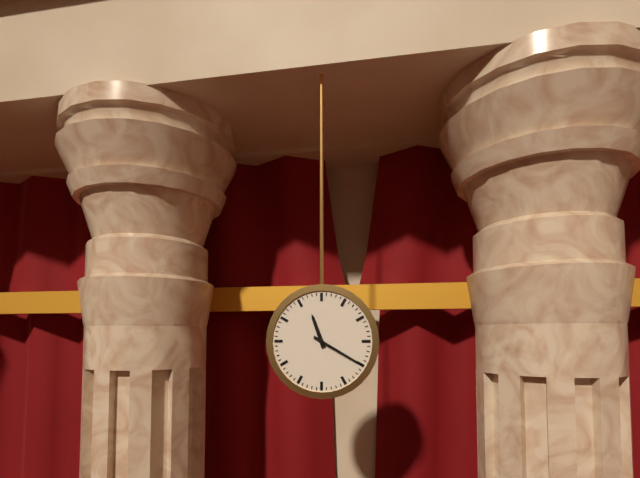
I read 11h20
